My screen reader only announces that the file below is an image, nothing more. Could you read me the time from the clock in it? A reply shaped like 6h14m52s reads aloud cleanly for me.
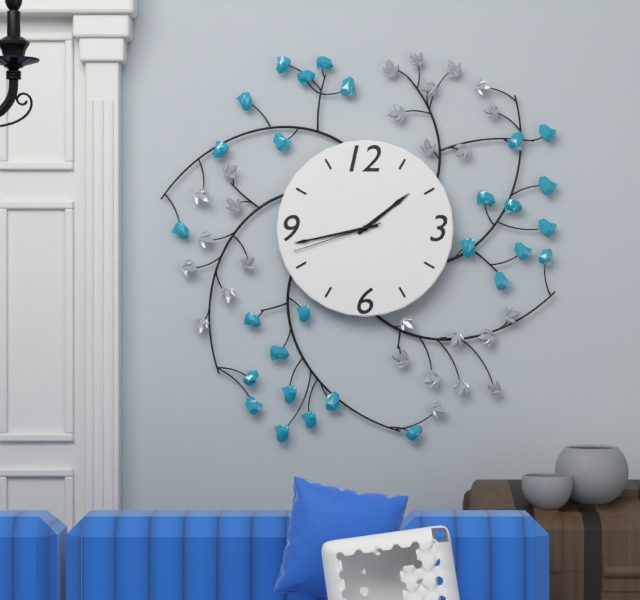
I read 1h43m42s
